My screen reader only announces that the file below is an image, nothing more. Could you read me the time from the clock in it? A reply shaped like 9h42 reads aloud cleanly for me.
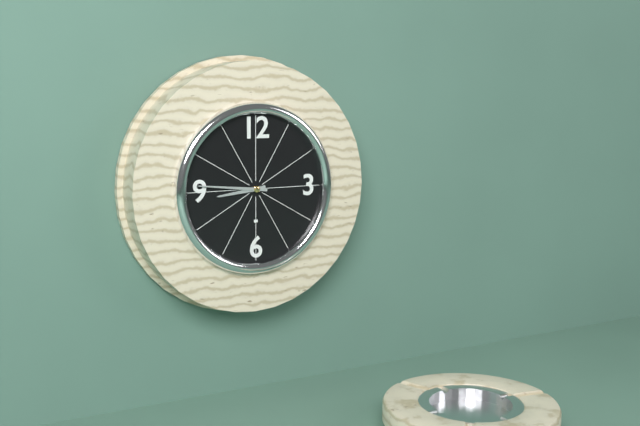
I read 8h46
